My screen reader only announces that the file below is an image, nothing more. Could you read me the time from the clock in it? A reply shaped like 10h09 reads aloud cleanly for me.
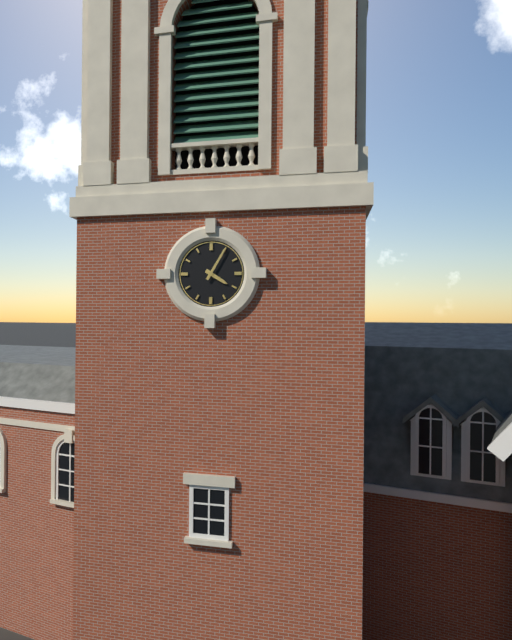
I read 4h05
